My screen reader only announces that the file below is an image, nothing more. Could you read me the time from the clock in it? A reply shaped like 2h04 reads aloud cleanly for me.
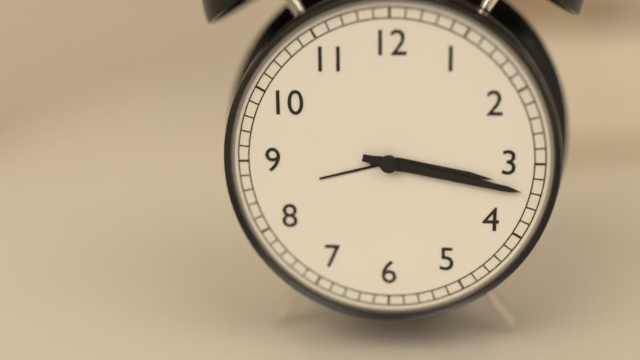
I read 3h17
